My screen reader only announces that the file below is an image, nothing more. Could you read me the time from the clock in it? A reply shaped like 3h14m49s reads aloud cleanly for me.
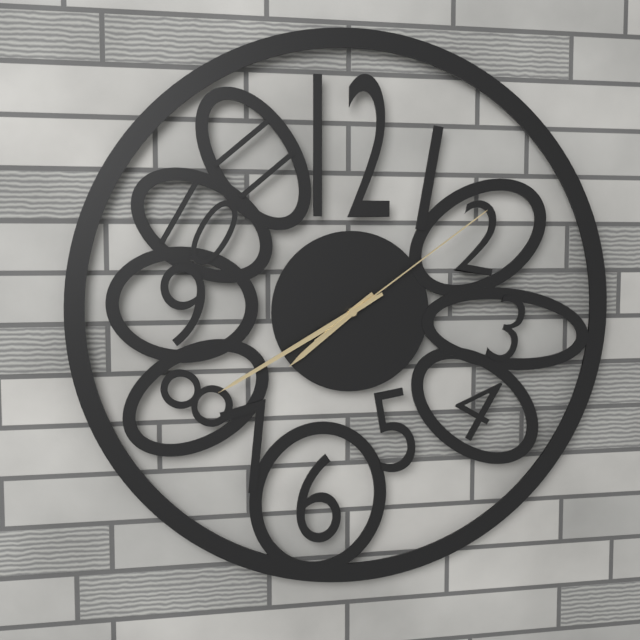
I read 7h40m09s
